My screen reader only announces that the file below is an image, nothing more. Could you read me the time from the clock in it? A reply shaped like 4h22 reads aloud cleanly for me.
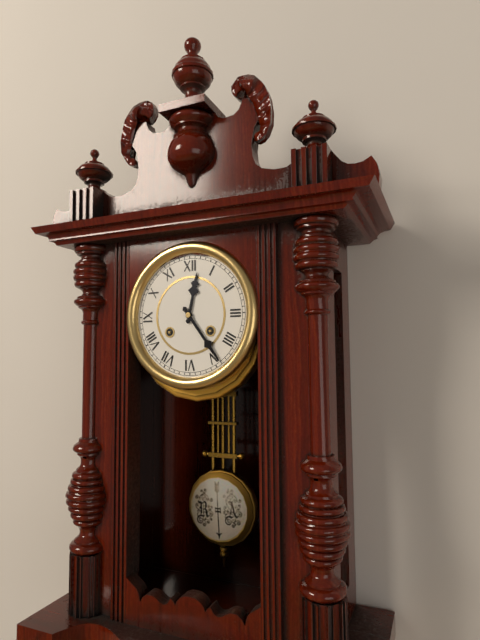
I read 12h24
